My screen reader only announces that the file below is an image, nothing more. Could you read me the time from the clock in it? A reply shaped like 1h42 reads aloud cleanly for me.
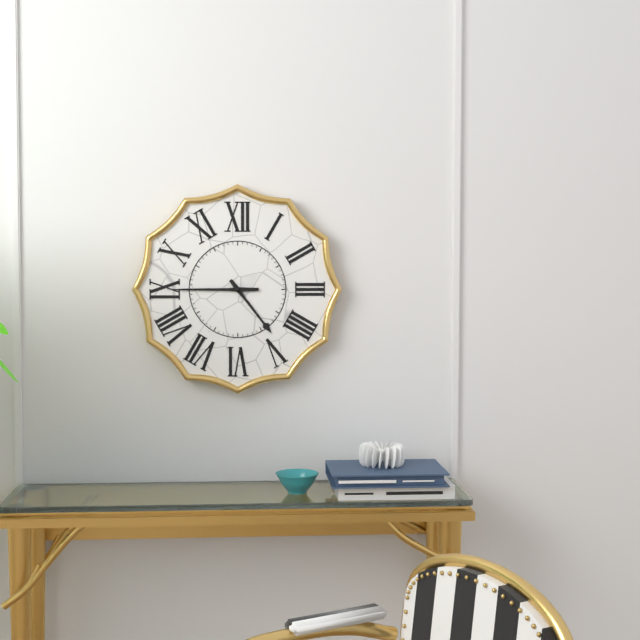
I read 4h45
